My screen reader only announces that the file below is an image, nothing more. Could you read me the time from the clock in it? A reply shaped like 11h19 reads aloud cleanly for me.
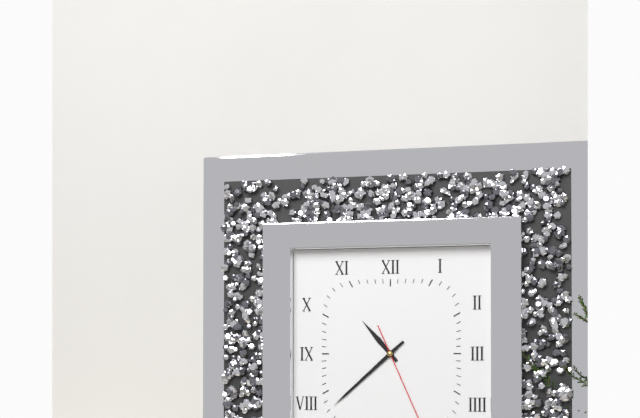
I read 10h38
